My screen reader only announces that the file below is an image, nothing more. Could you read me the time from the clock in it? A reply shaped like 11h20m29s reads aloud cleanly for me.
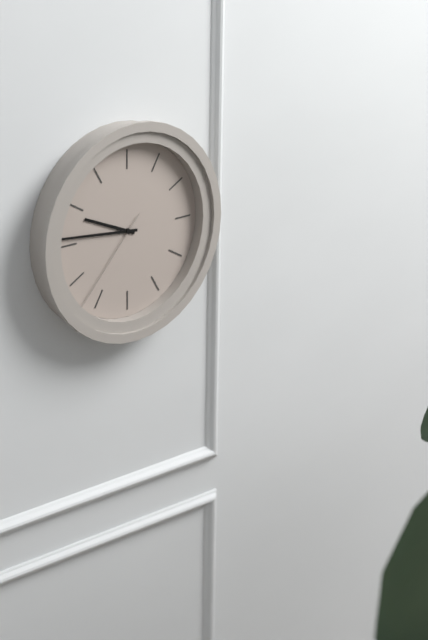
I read 9h46m37s
